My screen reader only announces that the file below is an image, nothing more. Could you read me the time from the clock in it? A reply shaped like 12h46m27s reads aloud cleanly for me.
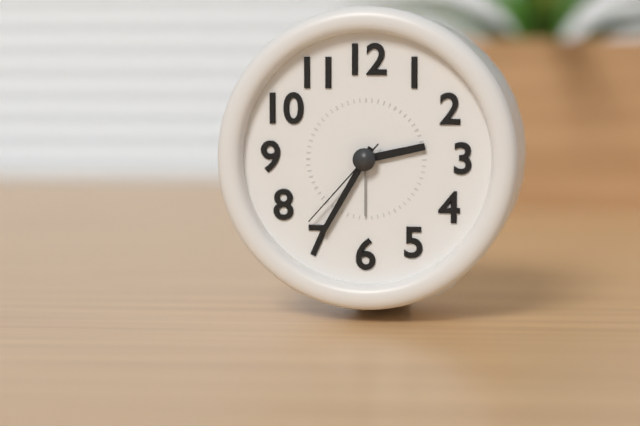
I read 2h35m37s
